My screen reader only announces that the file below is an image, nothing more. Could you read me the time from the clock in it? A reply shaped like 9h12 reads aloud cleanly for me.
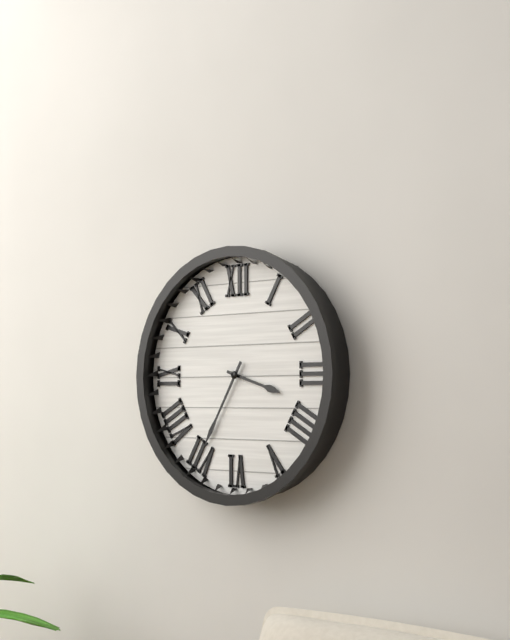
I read 3h35
